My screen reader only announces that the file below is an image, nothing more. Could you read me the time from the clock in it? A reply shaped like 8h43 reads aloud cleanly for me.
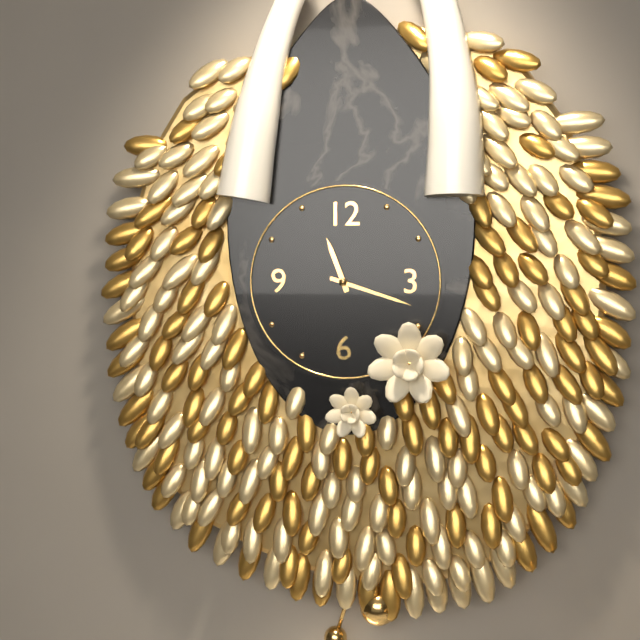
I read 11h18
